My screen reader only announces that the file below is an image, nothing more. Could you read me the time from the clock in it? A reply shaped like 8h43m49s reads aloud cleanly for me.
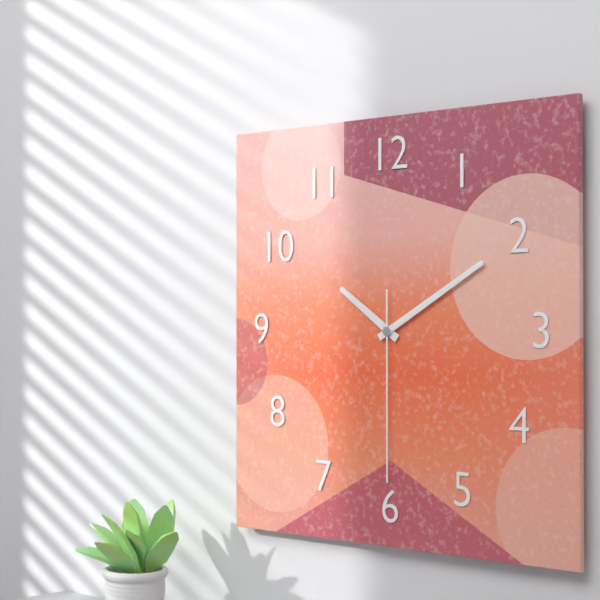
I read 10h10m30s
